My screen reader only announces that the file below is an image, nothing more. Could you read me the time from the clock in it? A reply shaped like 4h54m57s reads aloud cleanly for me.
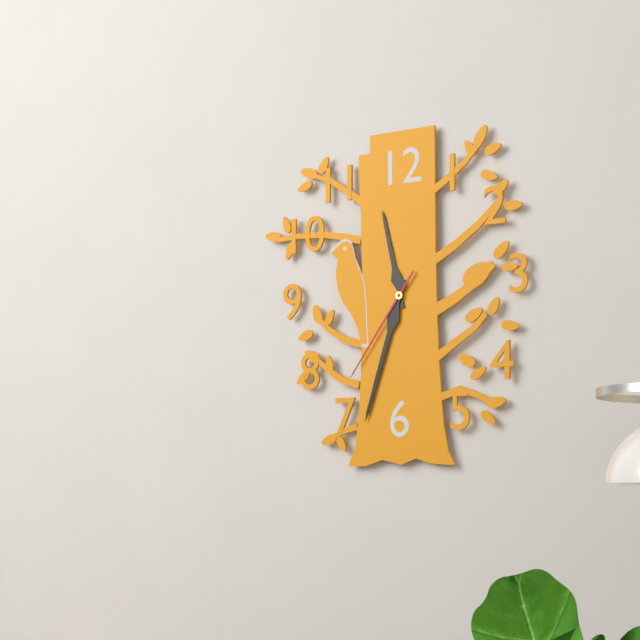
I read 11h33m36s
